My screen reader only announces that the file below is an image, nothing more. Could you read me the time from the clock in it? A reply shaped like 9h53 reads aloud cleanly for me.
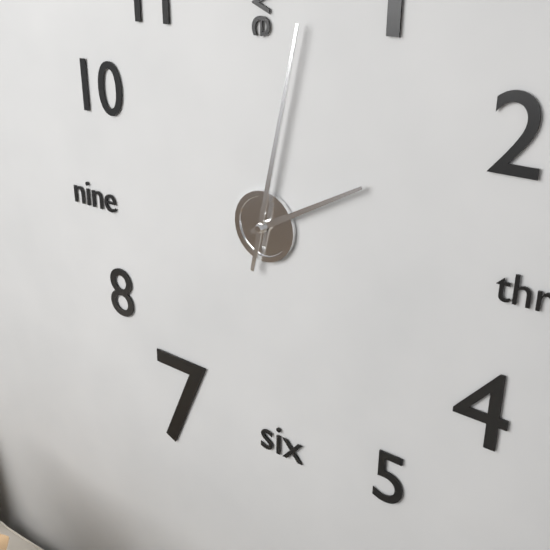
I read 2h02
